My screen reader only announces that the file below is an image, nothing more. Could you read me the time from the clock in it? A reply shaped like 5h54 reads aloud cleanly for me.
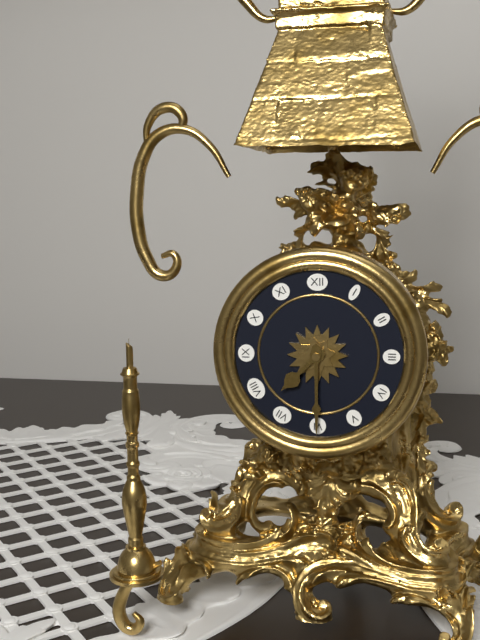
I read 7h30
